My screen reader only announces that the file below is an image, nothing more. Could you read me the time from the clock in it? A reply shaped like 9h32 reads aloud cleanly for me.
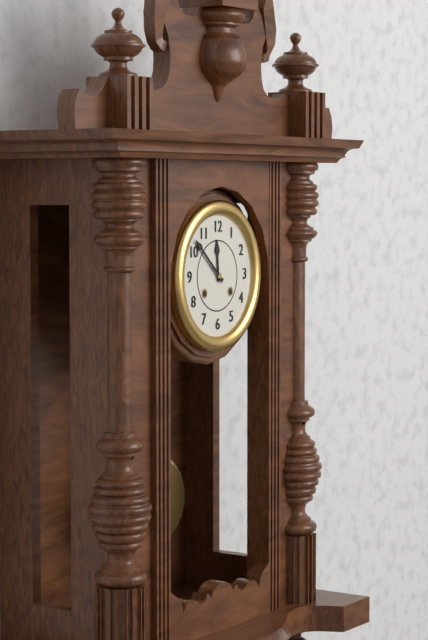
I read 11h52
